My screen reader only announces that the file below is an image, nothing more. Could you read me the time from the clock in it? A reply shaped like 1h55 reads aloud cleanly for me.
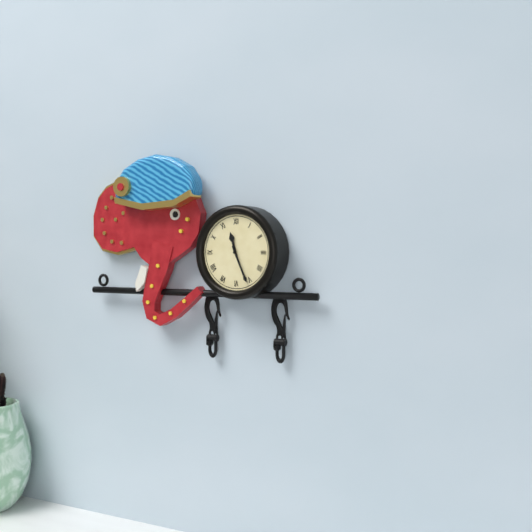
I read 11h26
